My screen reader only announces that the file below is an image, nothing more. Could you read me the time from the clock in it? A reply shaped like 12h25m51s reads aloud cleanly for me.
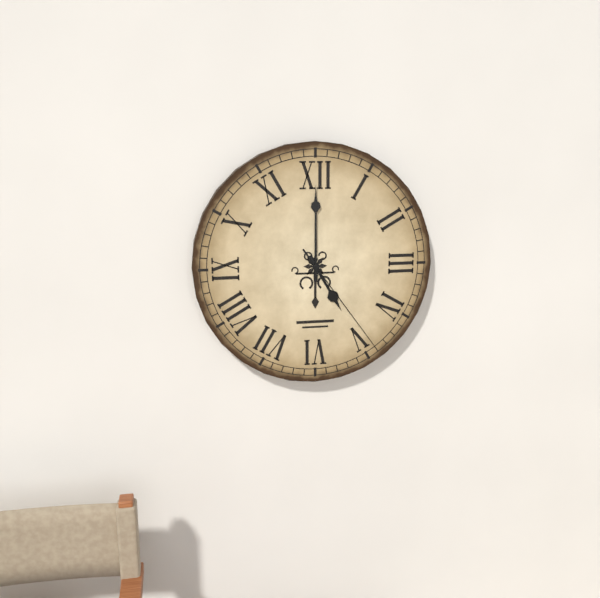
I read 5h00m24s
